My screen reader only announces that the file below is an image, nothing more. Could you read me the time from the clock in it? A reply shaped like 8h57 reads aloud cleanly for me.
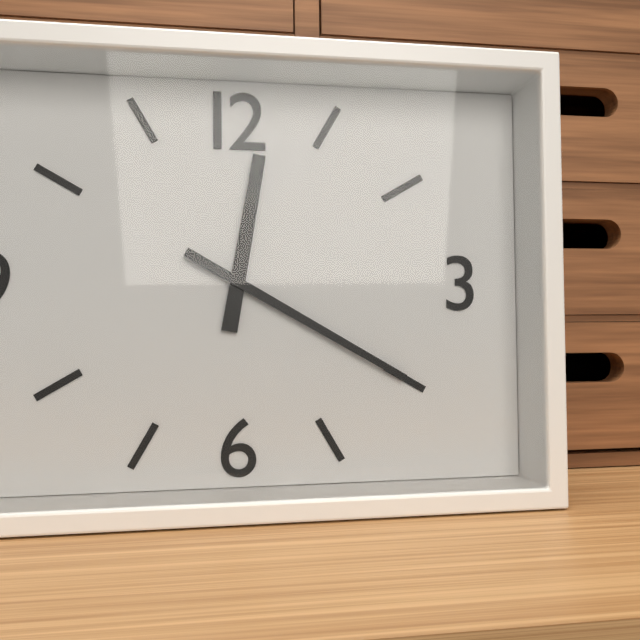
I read 12h20
